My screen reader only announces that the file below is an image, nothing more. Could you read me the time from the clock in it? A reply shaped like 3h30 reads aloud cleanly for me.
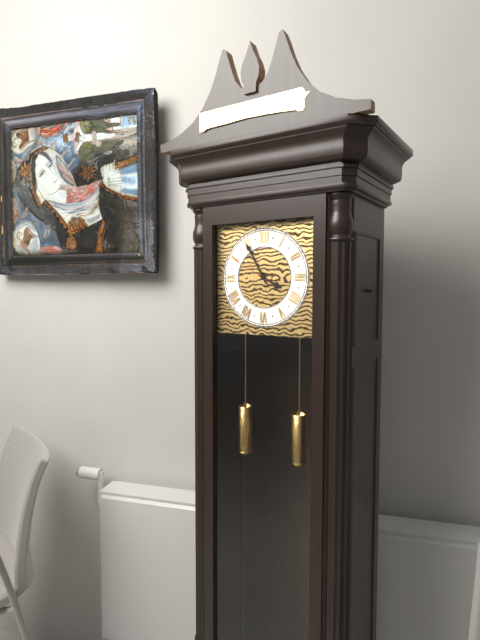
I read 3h55
